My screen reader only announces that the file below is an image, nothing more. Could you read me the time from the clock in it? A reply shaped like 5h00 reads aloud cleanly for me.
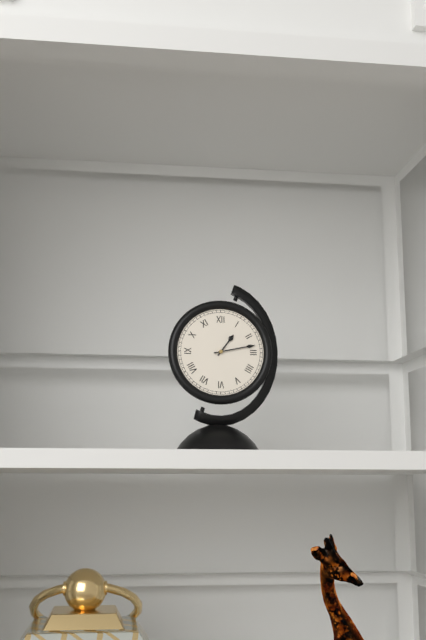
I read 1h13
